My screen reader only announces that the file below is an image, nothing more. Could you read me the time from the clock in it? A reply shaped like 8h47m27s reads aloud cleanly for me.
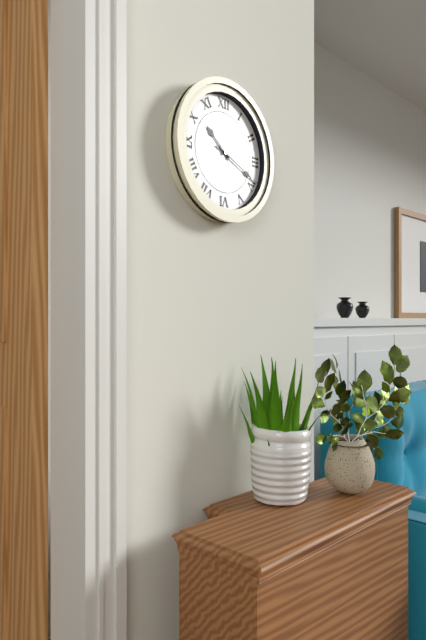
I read 10h19m19s
